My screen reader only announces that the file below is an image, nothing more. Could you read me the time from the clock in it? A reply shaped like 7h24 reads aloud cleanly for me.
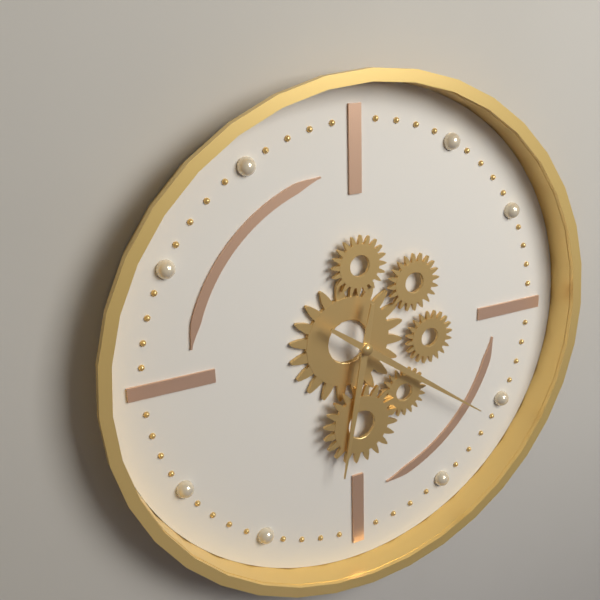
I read 6h21
